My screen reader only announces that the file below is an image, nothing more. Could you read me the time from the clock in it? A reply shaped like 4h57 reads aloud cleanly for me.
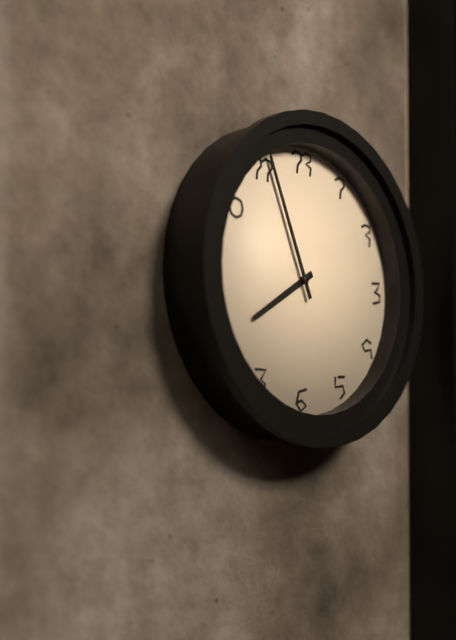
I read 7h56
